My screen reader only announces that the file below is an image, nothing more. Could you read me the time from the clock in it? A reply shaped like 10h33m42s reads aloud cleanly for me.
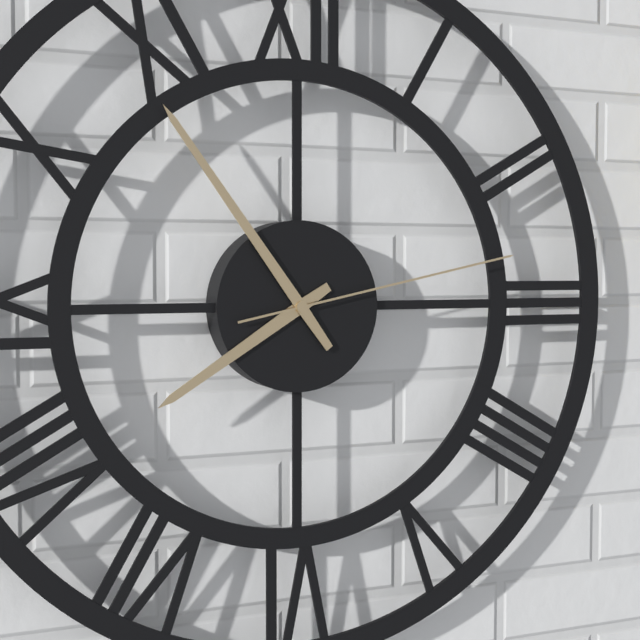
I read 7h54m13s
